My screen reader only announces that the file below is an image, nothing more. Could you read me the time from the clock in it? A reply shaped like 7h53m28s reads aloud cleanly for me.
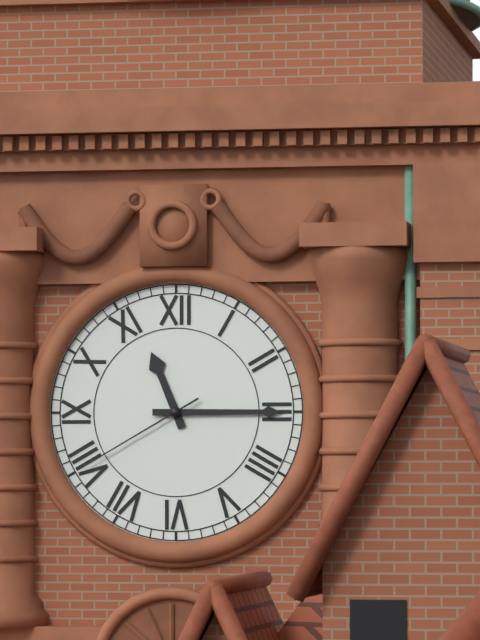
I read 11h15m40s
